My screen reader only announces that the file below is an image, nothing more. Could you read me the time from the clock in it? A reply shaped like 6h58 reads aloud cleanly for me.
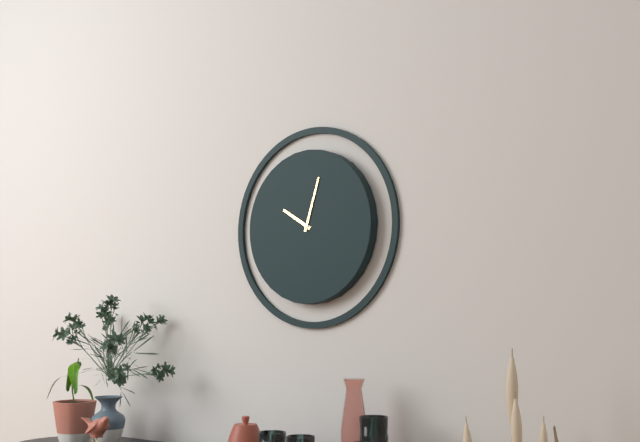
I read 10h03
